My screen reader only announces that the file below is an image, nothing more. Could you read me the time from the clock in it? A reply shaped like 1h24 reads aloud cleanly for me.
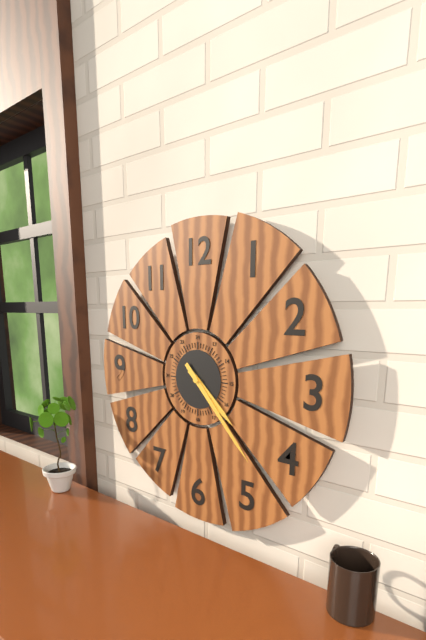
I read 4h23
